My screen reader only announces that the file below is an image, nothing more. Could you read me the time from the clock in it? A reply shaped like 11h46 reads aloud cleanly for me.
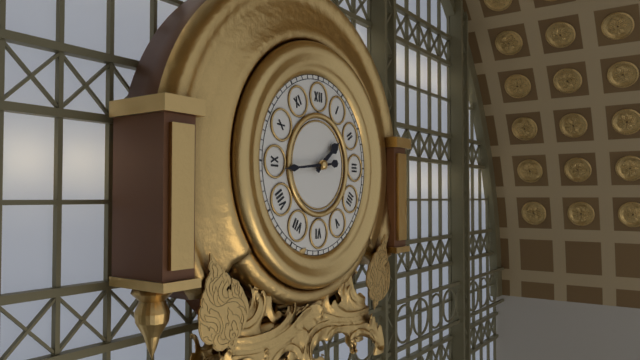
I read 1h44
